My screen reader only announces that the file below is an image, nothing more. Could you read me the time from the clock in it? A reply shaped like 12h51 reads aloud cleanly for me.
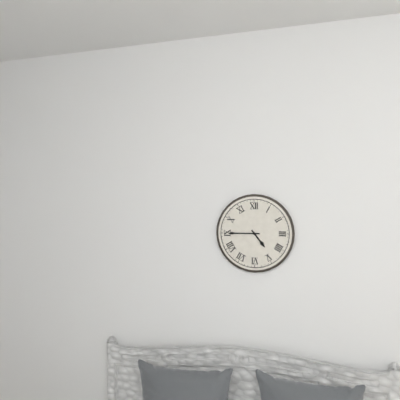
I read 4h45
